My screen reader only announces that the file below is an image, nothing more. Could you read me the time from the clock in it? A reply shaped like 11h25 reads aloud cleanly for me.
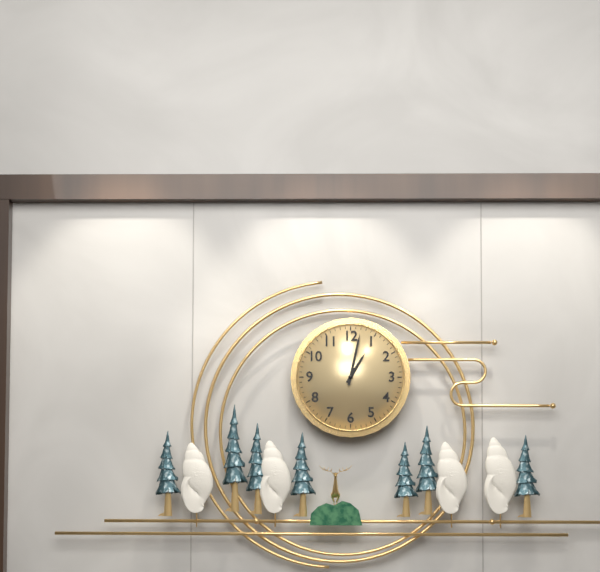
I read 1h02
